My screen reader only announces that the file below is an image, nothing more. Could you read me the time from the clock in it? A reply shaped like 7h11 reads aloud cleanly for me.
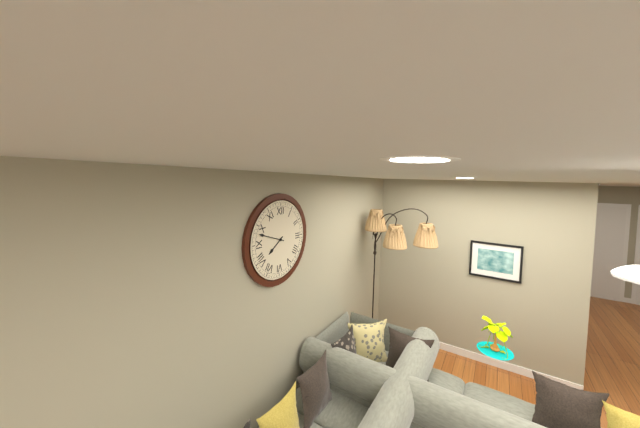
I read 7h48
